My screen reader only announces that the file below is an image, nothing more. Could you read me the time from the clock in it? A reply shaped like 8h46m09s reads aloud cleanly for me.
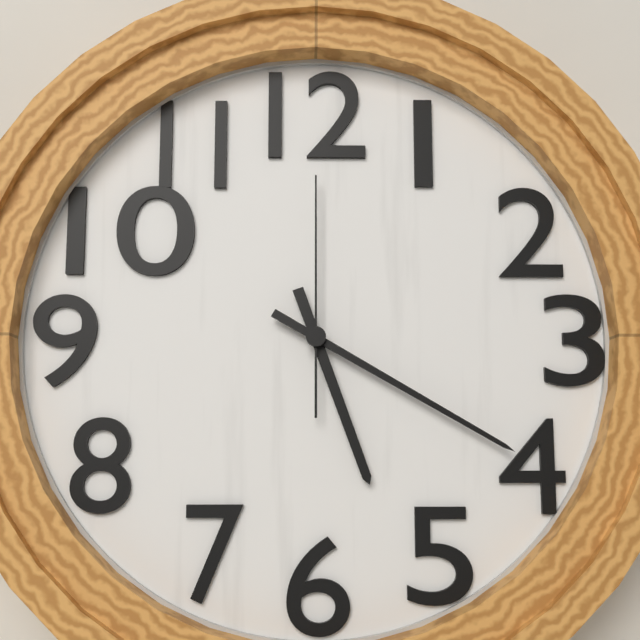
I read 5h20m00s
